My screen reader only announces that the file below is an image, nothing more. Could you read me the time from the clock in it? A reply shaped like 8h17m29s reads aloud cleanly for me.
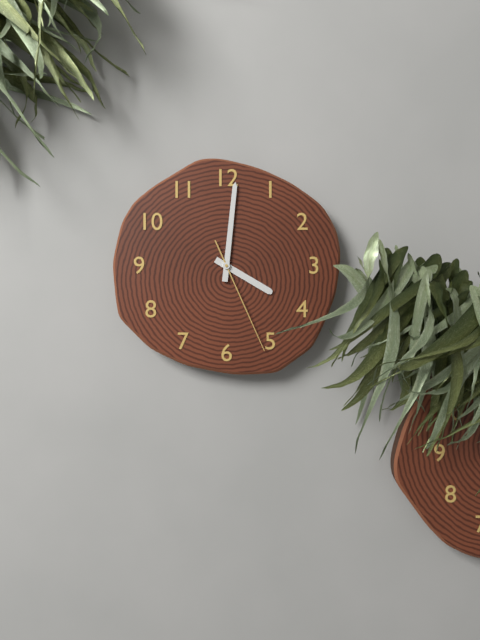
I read 4h01m26s
